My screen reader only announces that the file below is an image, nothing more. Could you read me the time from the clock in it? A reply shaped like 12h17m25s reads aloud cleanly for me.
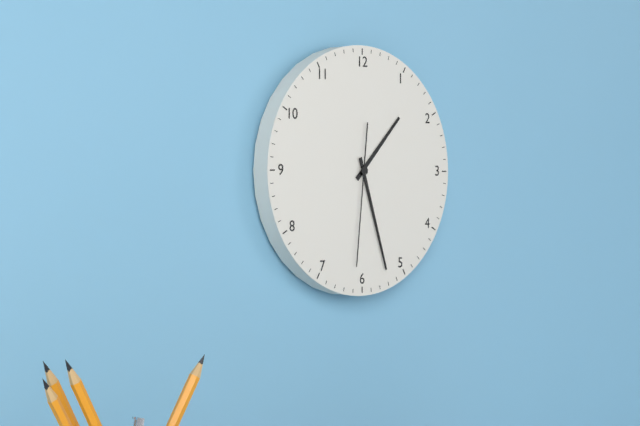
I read 1h27m31s
